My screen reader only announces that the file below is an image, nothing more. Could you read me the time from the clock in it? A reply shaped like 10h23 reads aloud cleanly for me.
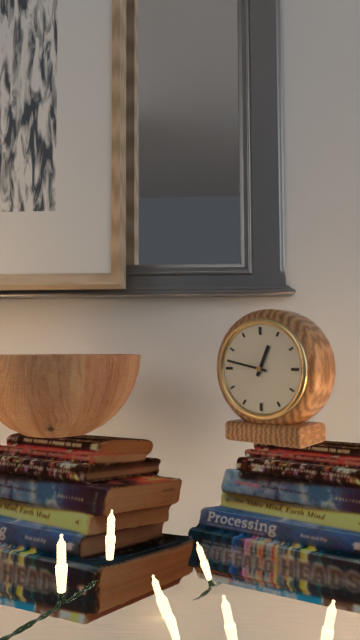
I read 12h47
